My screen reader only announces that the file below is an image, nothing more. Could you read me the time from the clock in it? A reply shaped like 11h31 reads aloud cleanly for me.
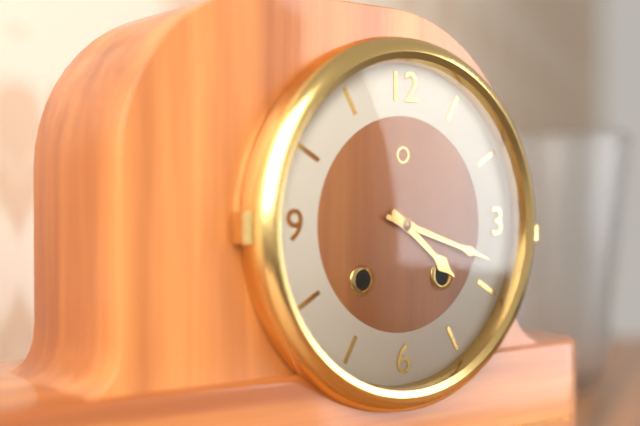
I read 4h18
